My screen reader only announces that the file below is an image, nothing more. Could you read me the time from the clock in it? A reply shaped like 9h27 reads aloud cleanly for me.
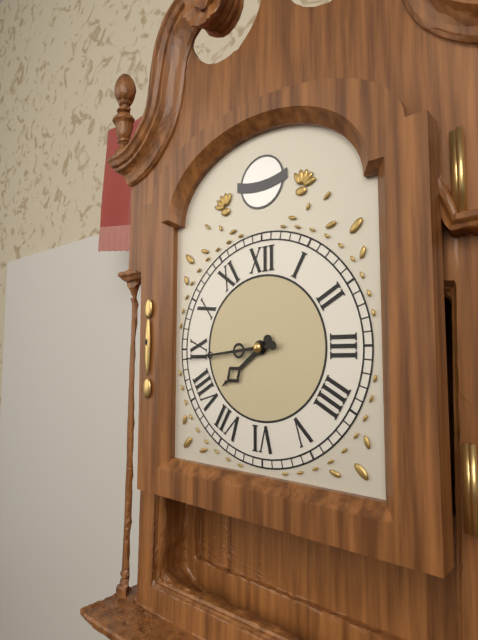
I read 7h44
